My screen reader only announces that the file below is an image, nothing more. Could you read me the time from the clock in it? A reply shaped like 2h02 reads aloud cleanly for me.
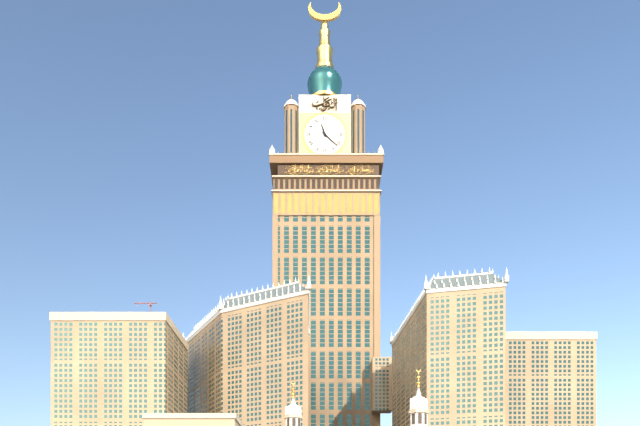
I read 11h22
